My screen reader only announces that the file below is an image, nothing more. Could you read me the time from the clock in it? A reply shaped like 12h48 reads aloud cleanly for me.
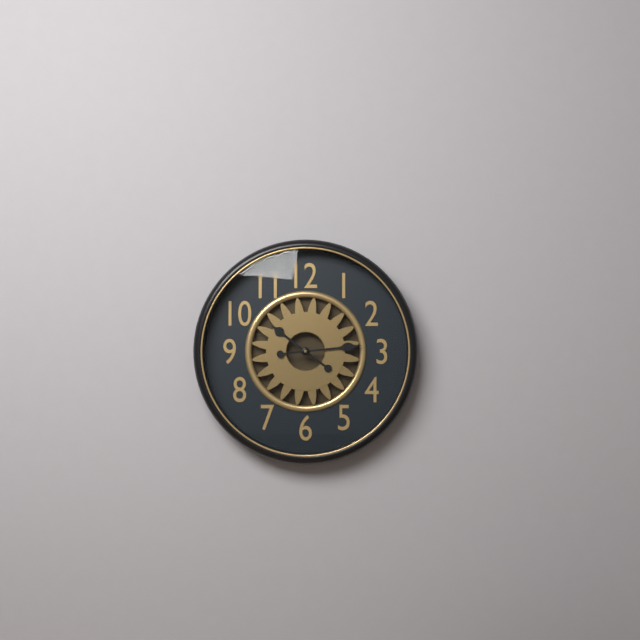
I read 10h14
